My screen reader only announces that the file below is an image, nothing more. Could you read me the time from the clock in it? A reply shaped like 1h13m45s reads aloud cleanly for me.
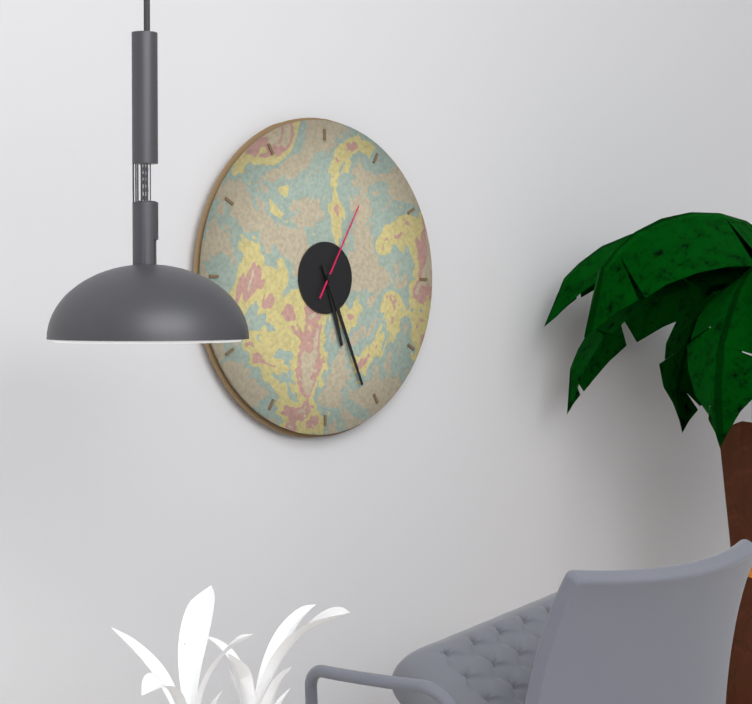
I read 5h26m05s
